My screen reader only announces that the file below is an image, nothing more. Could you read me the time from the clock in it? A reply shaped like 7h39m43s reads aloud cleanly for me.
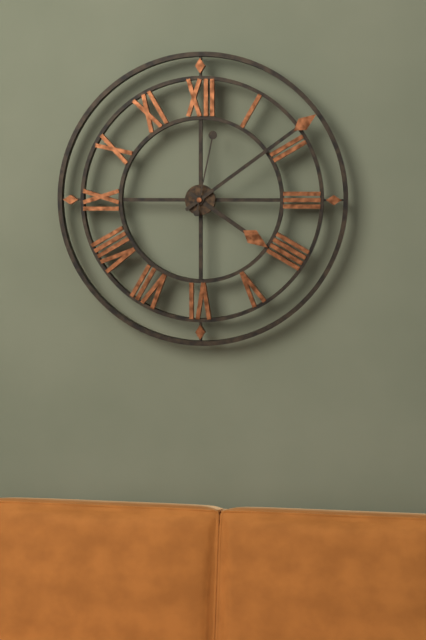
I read 4h09m02s
